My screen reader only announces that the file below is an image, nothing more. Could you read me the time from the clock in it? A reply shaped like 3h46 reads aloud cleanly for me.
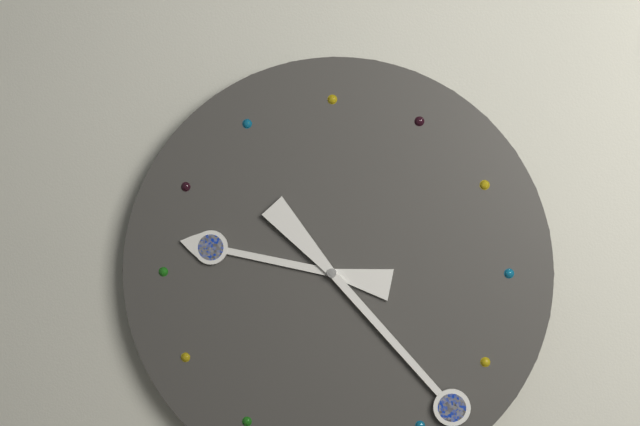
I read 9h23
